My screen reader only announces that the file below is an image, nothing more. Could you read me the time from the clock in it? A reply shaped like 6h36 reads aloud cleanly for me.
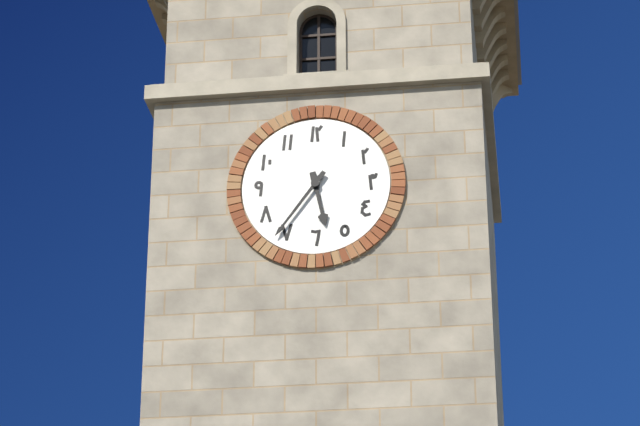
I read 5h36
